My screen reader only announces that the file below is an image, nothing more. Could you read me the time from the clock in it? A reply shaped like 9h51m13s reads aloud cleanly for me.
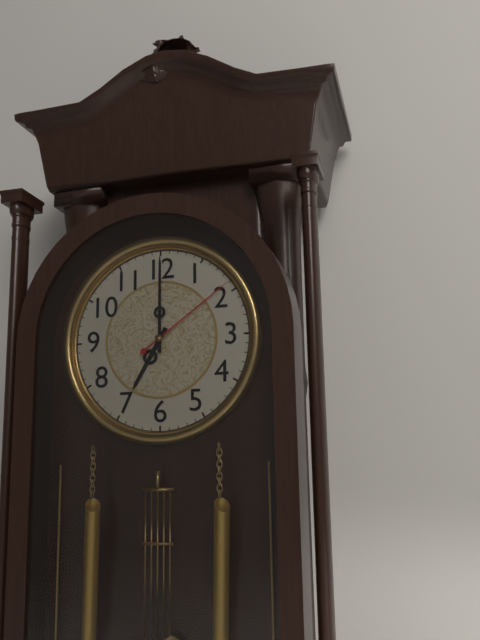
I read 7h00m09s
